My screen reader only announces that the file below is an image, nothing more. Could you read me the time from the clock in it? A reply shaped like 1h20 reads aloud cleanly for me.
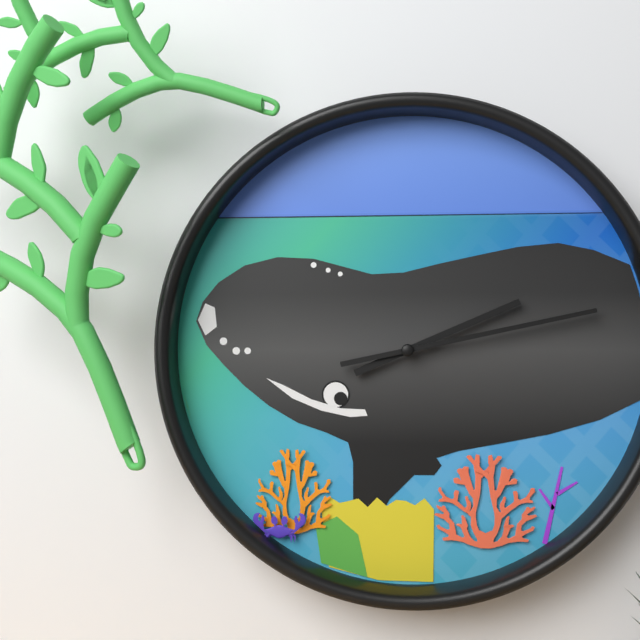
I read 2h13
